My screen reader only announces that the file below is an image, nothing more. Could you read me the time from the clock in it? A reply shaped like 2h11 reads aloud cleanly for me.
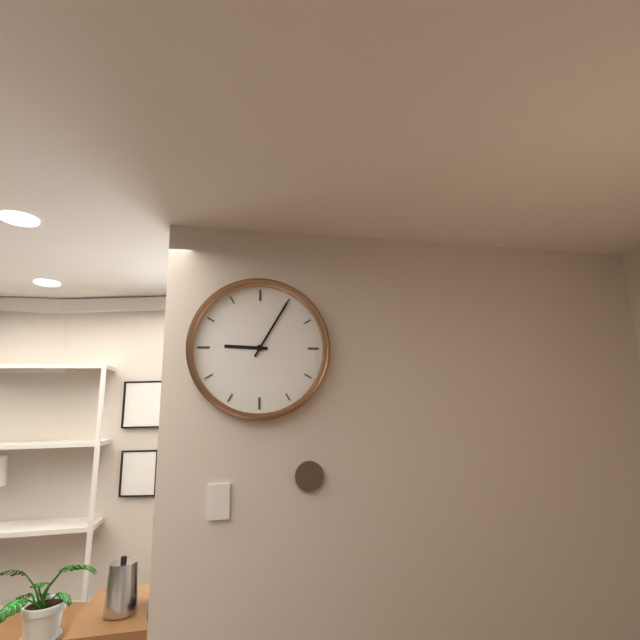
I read 9h05
